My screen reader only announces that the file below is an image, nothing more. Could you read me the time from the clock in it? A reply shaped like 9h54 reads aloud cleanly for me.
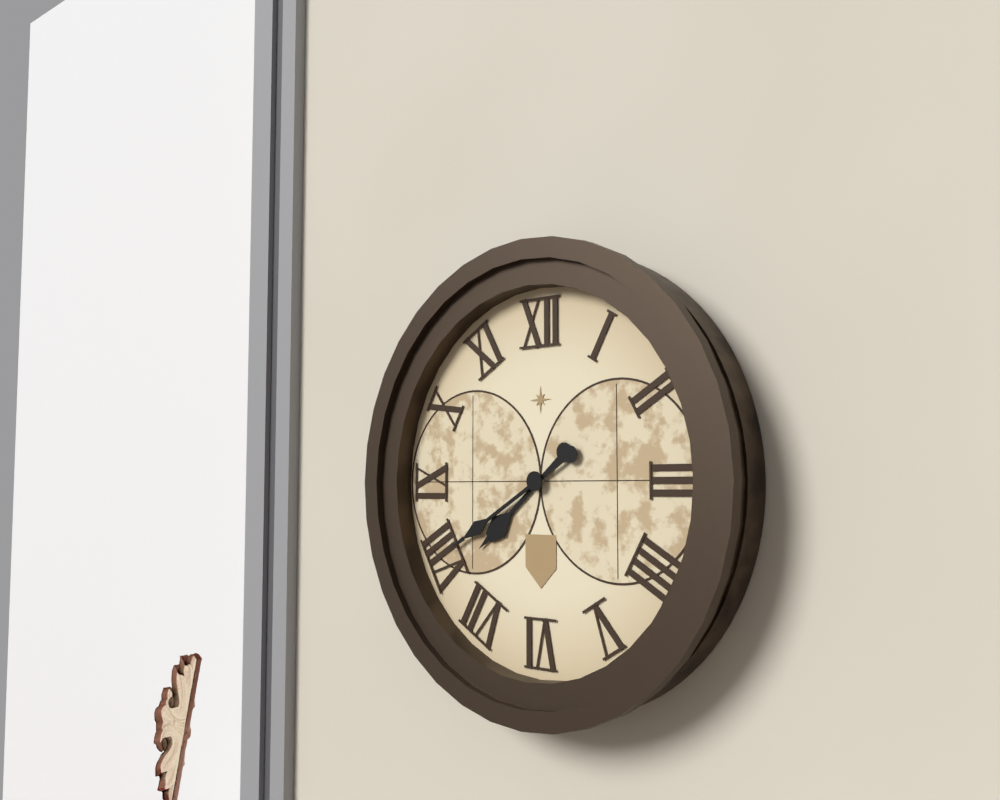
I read 7h40
